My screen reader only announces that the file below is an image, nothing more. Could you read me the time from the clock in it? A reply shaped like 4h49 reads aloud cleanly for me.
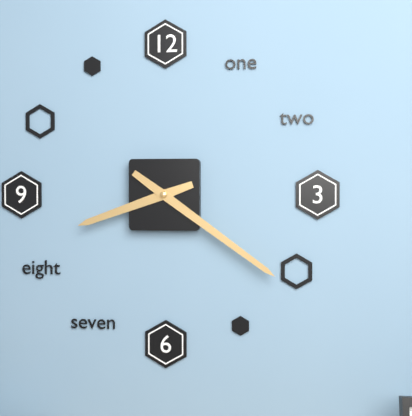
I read 8h21
